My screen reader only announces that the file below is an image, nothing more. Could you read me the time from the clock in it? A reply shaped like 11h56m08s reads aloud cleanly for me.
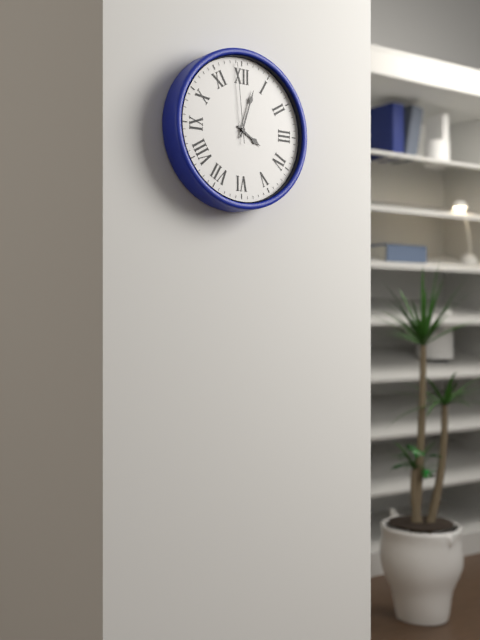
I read 4h03m59s
